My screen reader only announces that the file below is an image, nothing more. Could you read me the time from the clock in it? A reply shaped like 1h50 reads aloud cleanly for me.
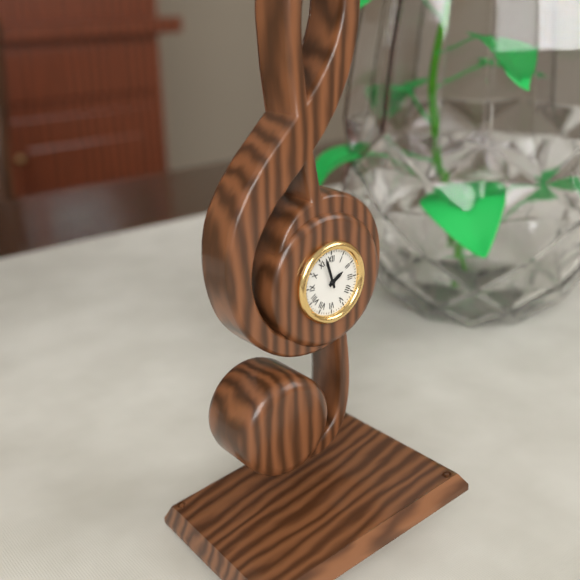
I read 1h57
